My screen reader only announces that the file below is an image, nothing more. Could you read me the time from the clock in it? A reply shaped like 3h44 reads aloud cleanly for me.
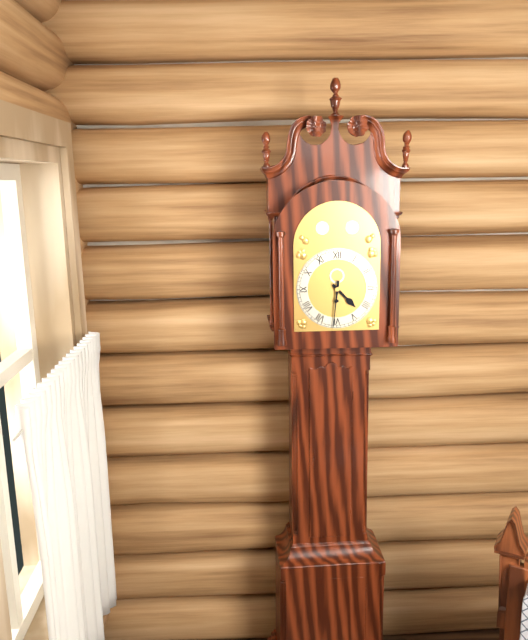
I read 4h31
